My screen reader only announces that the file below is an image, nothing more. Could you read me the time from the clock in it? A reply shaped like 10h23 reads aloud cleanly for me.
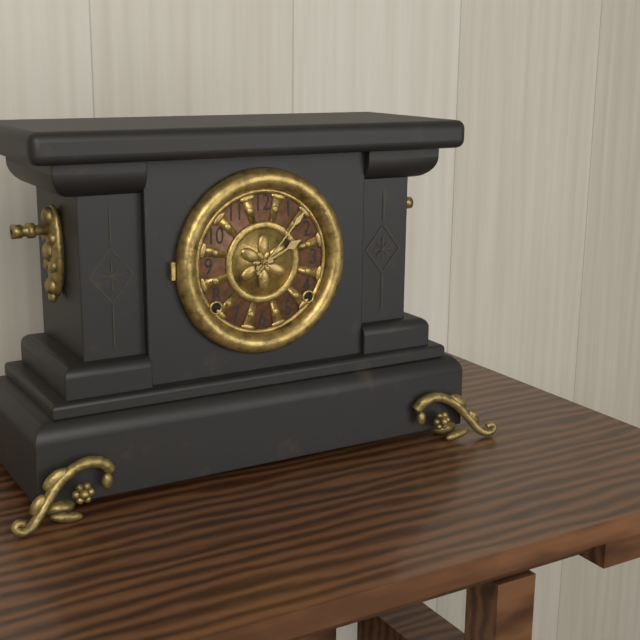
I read 2h07
